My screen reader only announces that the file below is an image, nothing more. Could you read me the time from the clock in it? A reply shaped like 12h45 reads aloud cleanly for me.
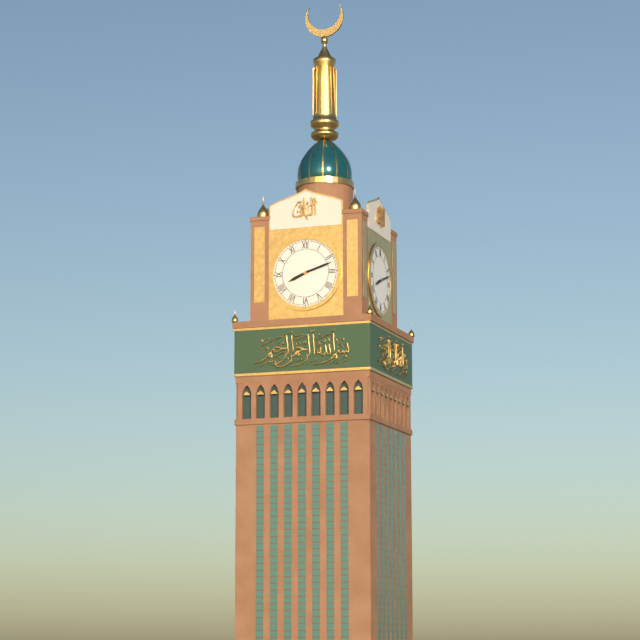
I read 8h12
